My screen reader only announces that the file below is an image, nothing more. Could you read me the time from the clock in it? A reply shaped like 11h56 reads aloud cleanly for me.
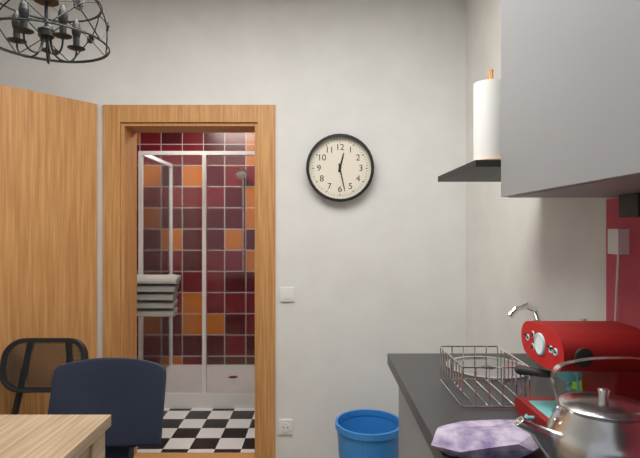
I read 12h28
